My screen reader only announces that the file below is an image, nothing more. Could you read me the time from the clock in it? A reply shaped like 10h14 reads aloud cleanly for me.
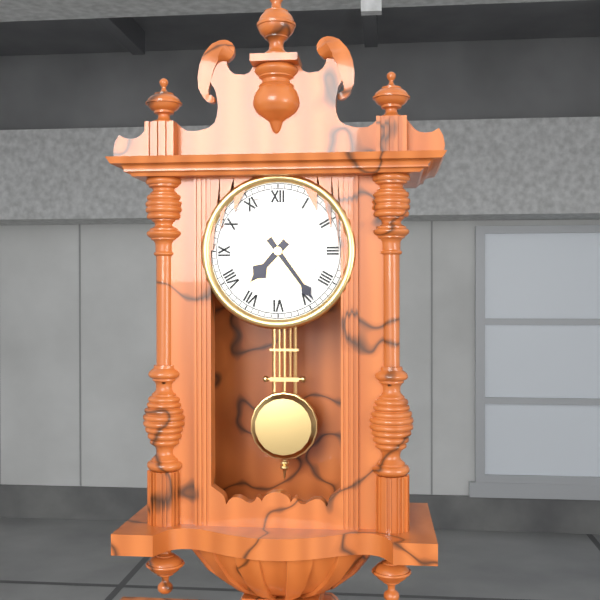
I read 7h24
